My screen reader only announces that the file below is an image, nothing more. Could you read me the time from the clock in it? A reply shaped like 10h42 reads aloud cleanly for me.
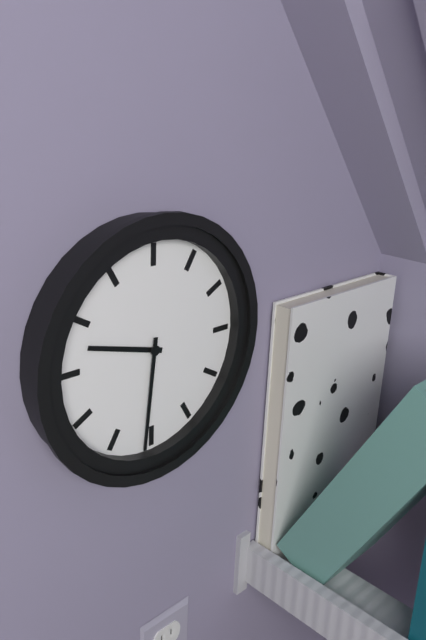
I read 9h31
